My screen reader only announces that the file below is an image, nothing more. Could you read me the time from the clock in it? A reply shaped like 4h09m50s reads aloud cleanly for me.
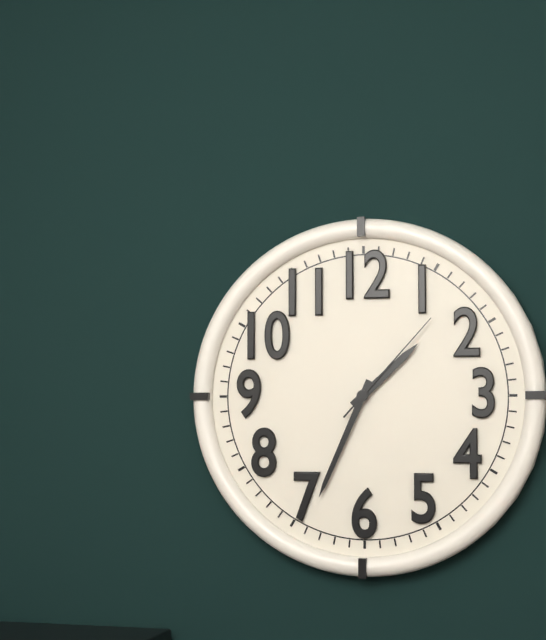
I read 1h34m07s
